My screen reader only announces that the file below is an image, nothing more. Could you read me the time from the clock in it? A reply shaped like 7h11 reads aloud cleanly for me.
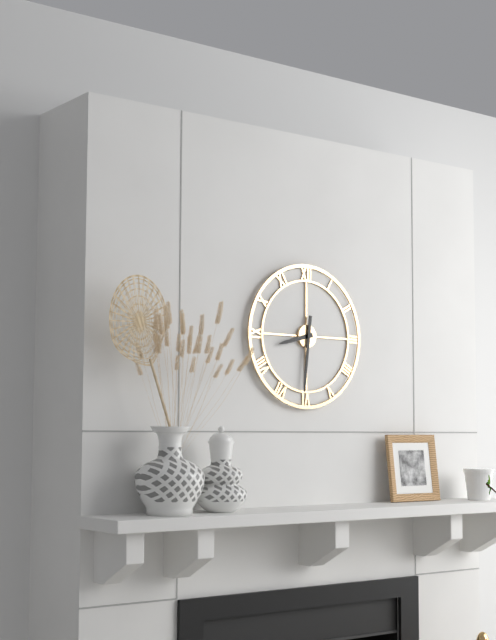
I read 8h31
